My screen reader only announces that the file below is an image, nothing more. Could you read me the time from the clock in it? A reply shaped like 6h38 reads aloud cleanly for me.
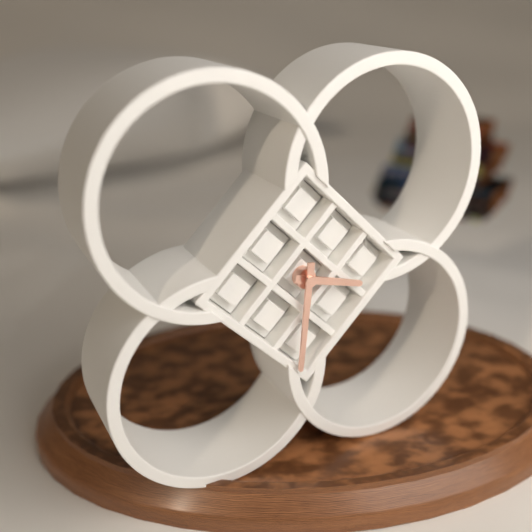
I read 3h31
